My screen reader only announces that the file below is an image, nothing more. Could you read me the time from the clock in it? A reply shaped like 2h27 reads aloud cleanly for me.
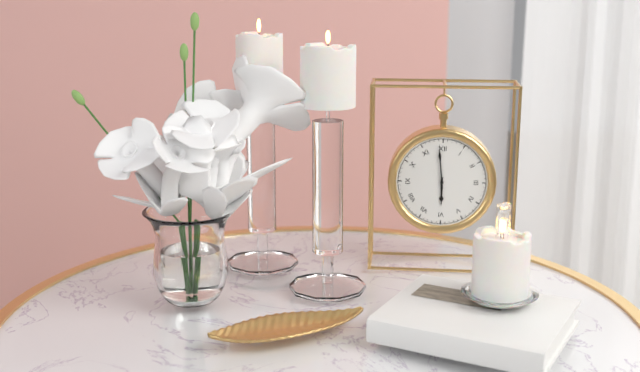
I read 5h59
